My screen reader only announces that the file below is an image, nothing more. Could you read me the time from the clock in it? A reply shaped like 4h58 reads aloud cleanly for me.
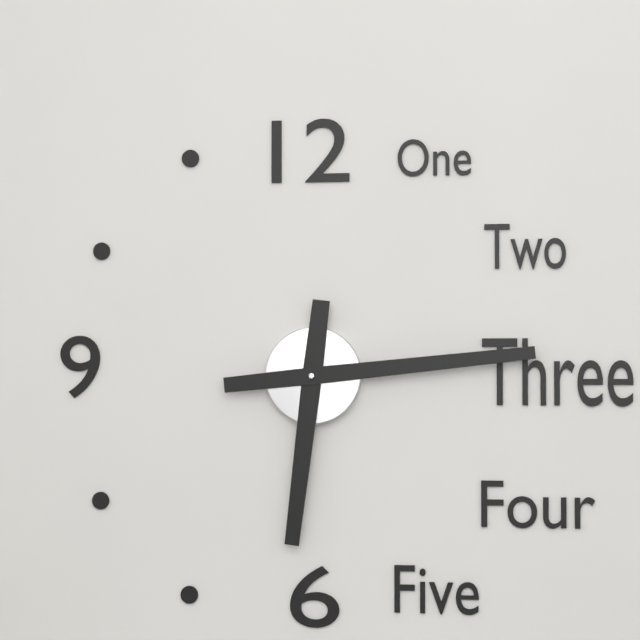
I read 6h14
